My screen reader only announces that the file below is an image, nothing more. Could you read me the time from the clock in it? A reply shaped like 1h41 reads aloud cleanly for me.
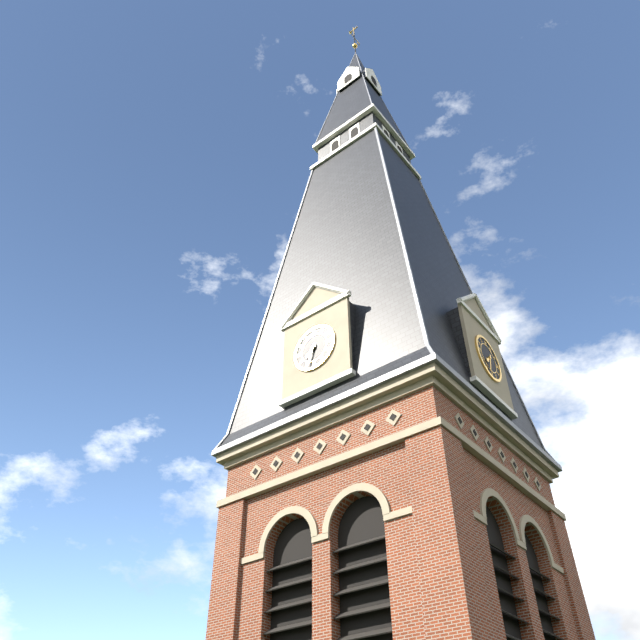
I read 7h33
